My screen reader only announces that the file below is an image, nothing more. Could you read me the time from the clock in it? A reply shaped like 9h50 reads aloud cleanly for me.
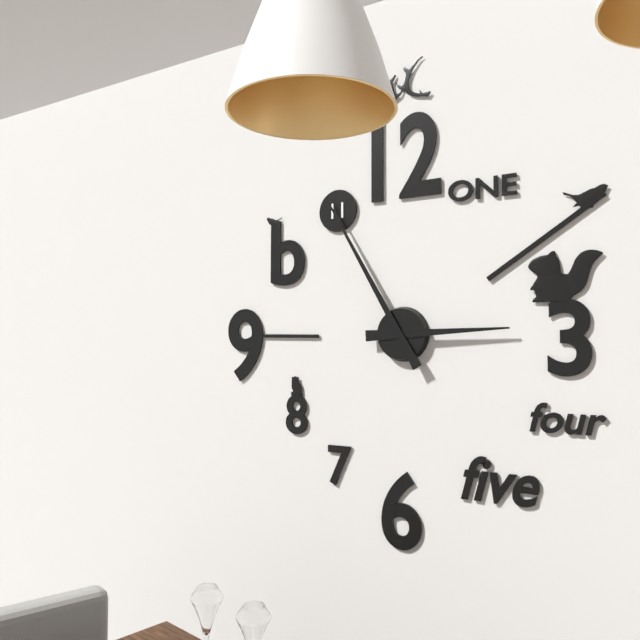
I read 2h55
